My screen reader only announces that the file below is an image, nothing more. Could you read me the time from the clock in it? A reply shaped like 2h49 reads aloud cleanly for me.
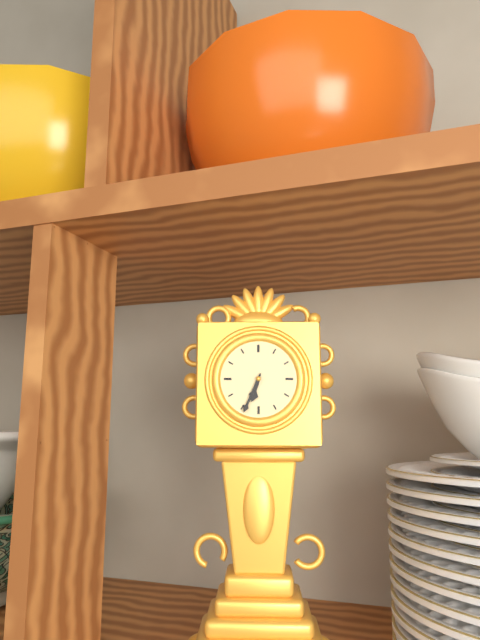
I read 6h34
